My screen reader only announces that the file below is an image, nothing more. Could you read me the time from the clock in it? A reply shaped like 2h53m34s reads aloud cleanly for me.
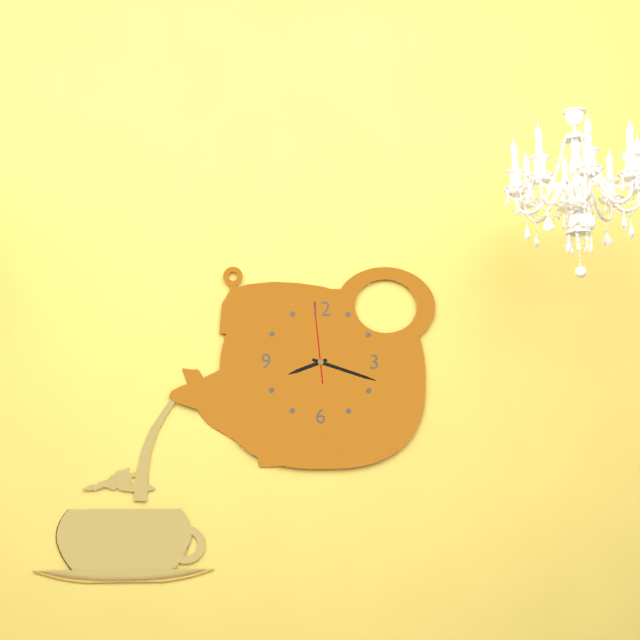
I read 8h18m59s
